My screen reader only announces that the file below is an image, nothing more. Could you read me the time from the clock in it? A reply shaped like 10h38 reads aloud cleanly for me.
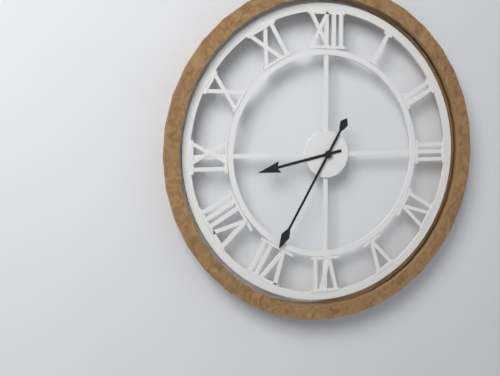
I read 8h35
